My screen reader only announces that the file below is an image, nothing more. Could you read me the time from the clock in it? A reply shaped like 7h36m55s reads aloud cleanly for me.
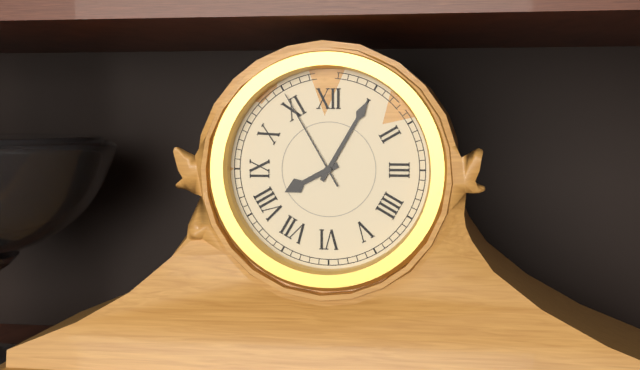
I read 8h05m55s
